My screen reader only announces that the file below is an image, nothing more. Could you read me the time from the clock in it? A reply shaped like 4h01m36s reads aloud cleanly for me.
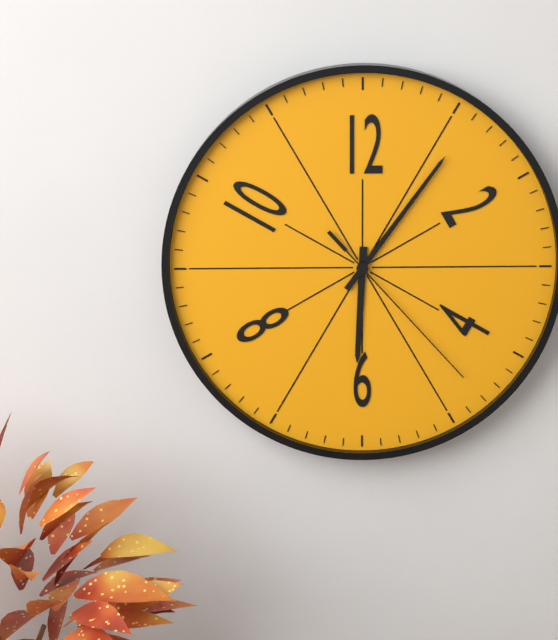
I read 6h06m23s
